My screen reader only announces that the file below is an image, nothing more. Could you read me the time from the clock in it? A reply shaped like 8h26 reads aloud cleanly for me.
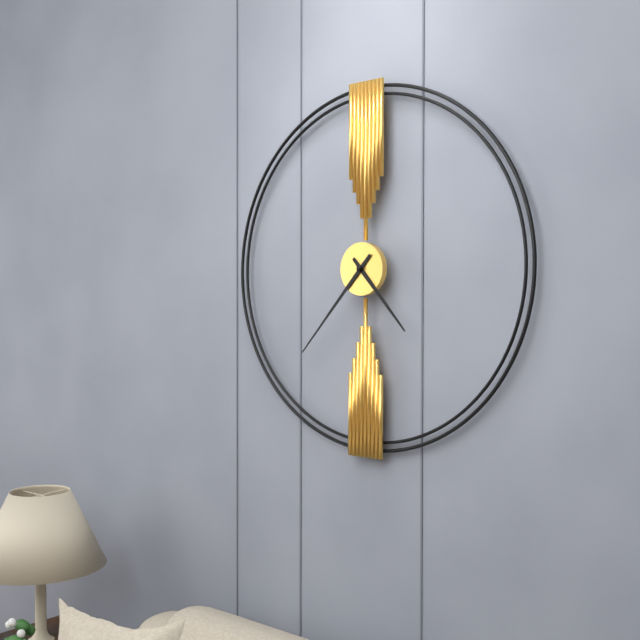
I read 4h37
